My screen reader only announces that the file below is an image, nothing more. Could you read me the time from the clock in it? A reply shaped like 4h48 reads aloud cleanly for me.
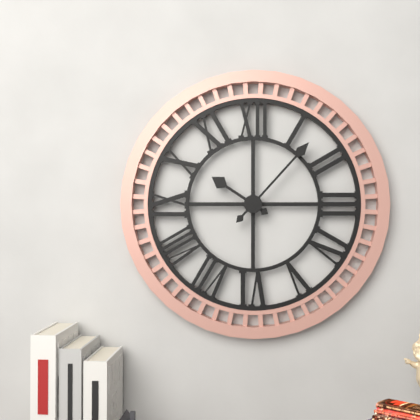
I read 10h07
